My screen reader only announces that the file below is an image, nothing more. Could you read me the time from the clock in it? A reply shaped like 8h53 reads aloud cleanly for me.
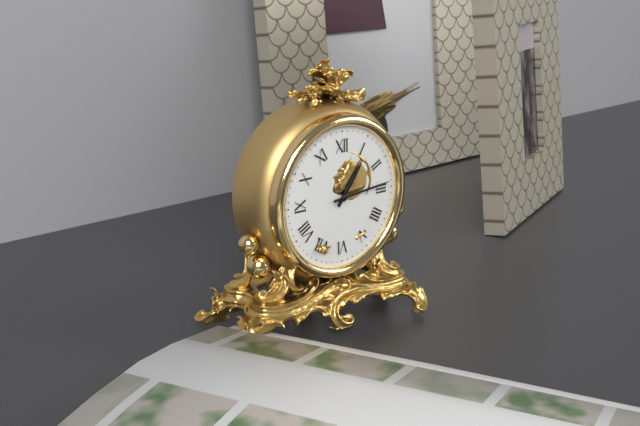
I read 1h14
